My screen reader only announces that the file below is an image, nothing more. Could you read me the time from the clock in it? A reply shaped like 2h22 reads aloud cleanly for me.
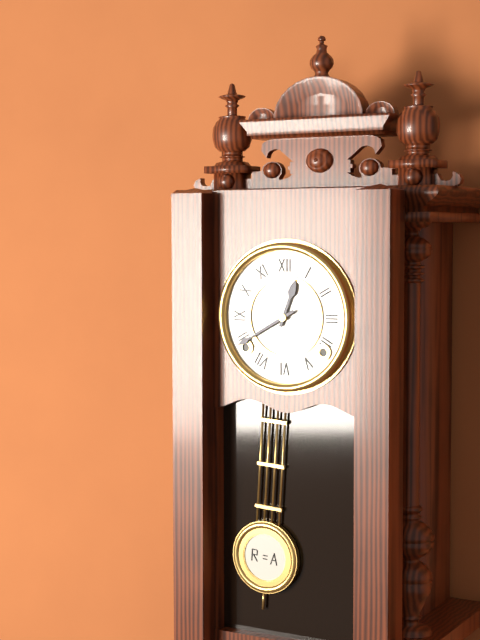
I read 12h40
